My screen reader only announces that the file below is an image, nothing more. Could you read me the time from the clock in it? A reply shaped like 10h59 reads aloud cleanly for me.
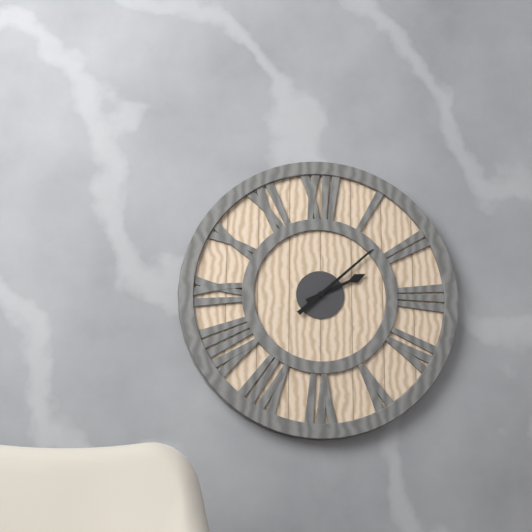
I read 2h08
